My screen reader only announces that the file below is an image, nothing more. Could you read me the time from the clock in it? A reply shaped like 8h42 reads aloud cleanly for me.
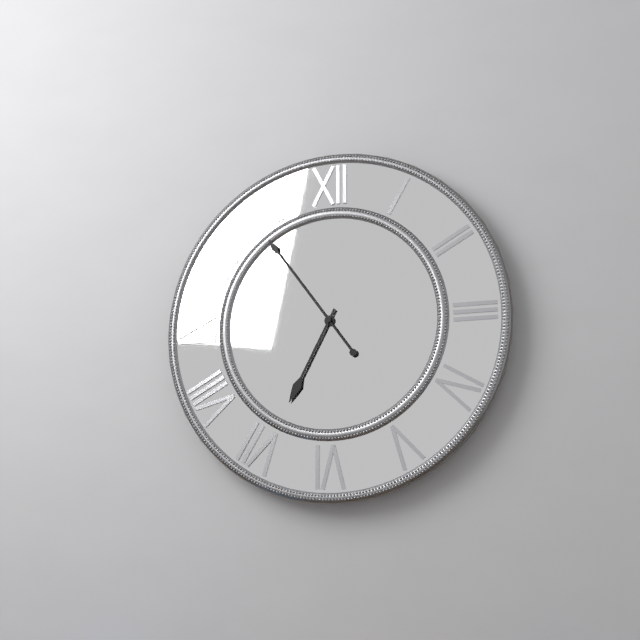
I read 6h54
